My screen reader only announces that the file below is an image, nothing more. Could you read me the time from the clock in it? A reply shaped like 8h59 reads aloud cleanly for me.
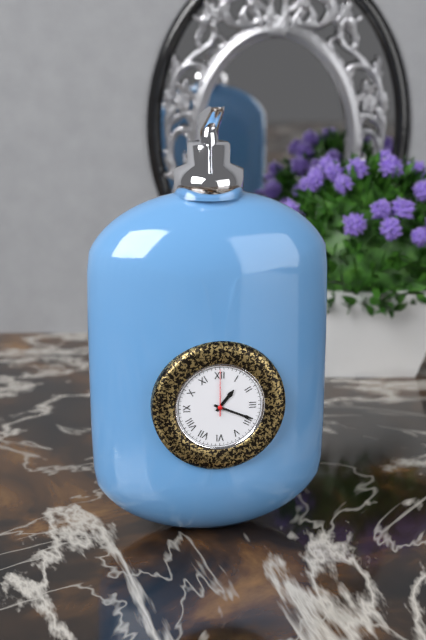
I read 1h19
